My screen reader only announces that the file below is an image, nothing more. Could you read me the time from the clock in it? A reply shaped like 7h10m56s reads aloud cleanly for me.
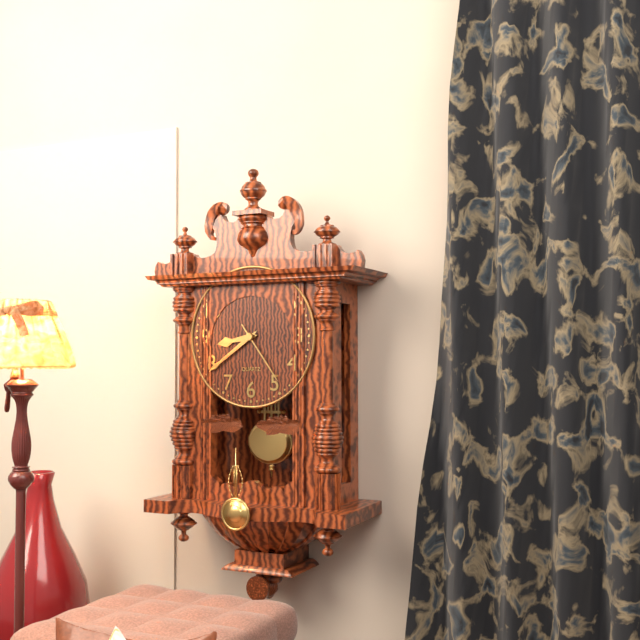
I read 8h39m24s
